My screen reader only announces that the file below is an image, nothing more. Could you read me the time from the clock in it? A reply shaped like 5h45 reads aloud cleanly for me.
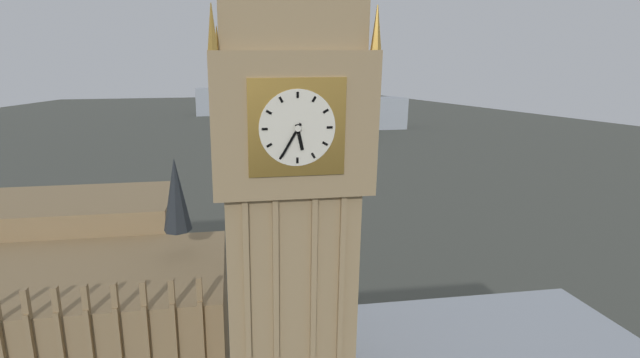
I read 5h35
